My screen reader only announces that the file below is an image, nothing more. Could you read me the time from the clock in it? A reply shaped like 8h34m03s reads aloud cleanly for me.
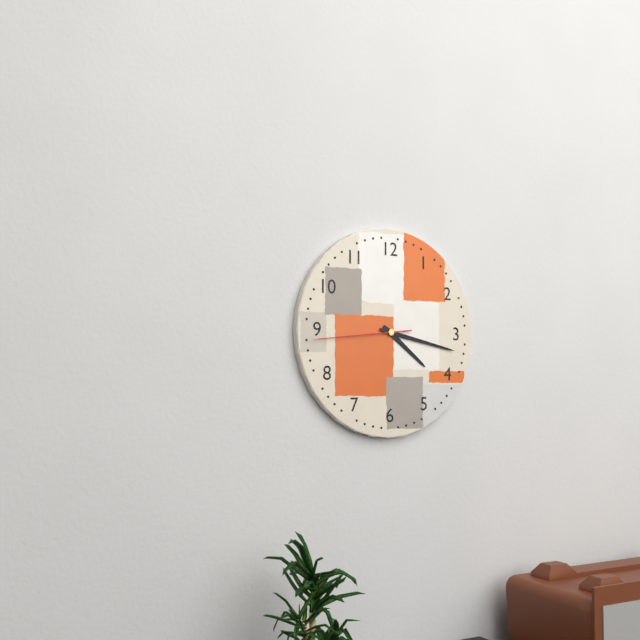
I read 4h17m44s
